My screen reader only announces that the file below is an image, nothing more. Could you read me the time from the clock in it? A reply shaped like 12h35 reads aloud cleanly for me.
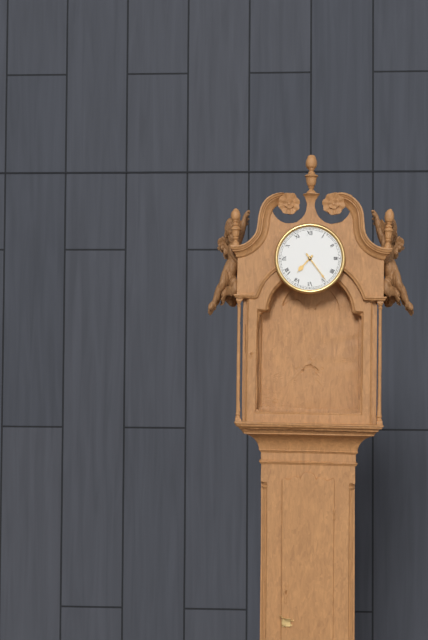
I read 7h24
